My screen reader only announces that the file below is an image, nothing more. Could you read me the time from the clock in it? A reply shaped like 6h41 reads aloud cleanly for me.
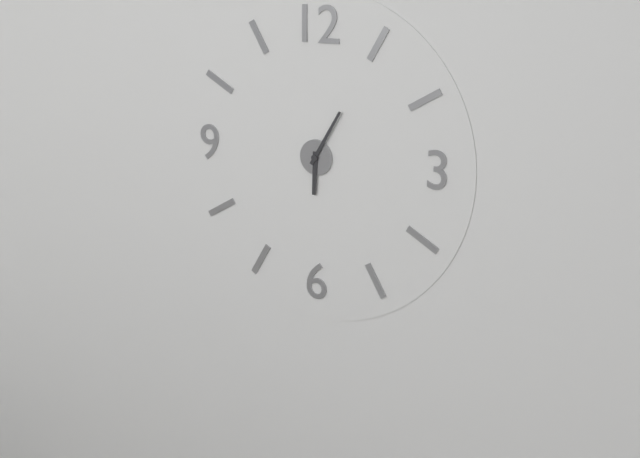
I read 6h05
